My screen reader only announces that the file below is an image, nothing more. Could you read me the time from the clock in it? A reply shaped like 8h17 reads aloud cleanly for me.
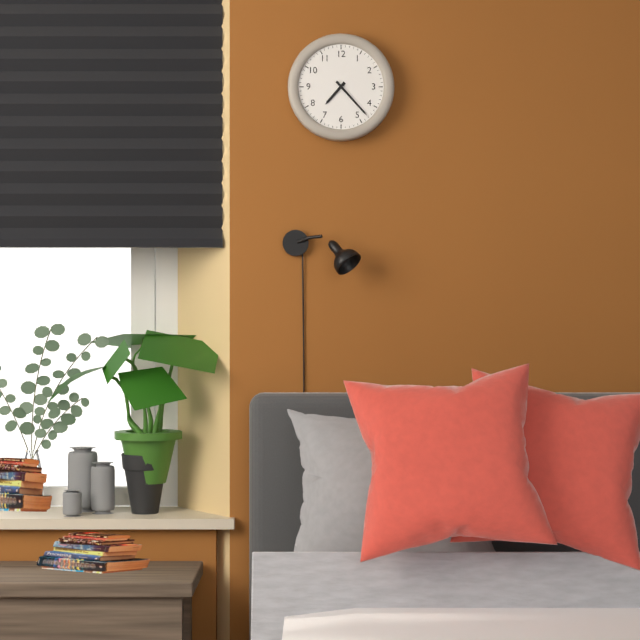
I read 7h23
